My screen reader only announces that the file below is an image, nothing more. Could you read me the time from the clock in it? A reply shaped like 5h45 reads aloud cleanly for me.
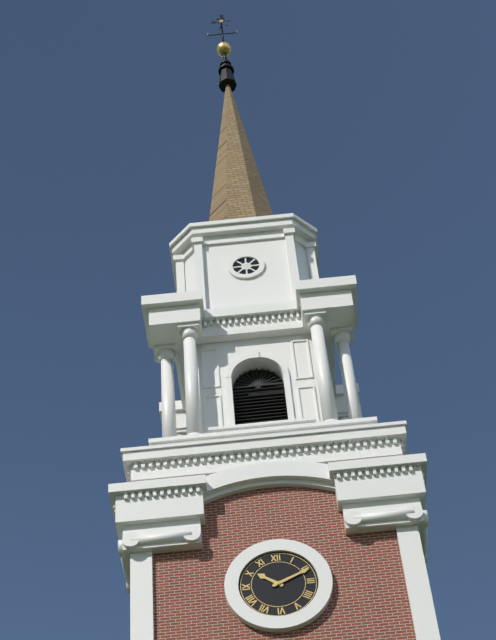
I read 10h11
